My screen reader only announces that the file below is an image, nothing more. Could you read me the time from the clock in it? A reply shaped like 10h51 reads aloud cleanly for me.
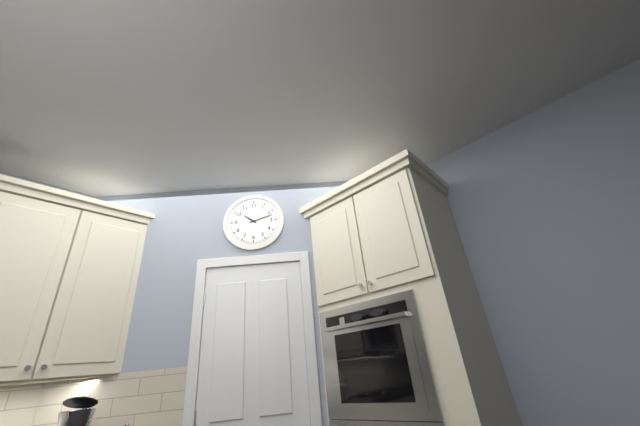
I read 10h12
